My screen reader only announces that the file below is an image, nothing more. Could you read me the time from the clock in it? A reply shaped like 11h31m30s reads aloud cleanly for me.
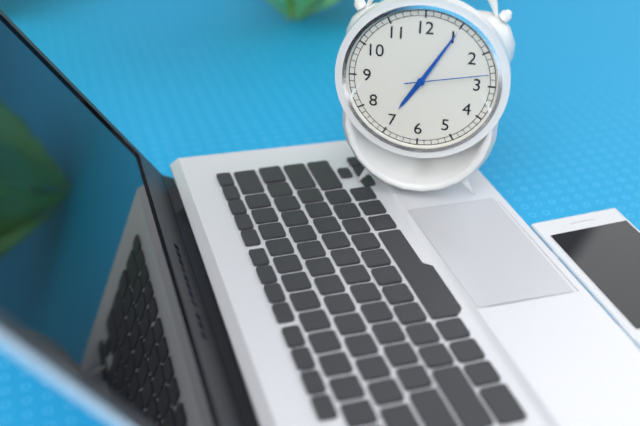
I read 7h05m13s
